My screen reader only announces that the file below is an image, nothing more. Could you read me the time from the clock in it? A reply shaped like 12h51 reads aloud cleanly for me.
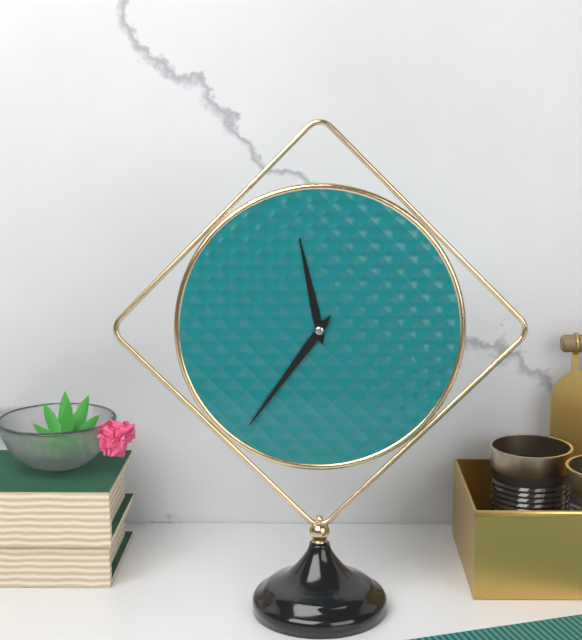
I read 11h36
